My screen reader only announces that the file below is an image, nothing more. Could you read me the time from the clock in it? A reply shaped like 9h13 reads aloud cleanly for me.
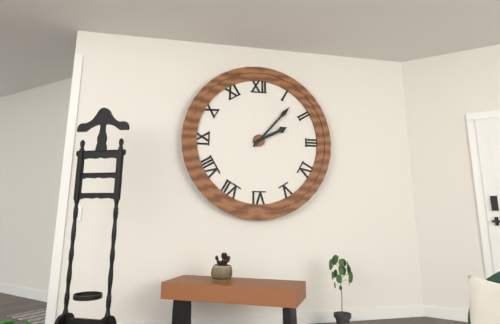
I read 2h07
